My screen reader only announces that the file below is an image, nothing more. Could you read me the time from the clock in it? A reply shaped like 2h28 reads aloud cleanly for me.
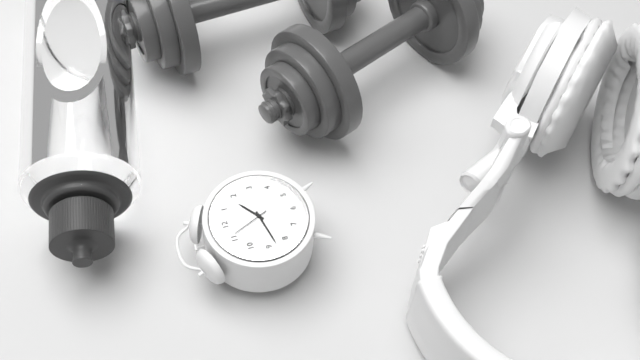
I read 1h43
